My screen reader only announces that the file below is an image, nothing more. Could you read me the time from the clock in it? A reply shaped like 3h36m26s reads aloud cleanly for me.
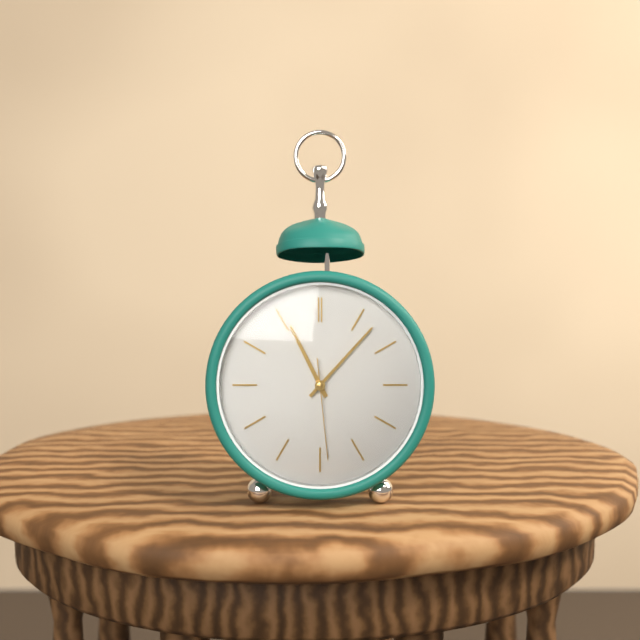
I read 11h07m29s
